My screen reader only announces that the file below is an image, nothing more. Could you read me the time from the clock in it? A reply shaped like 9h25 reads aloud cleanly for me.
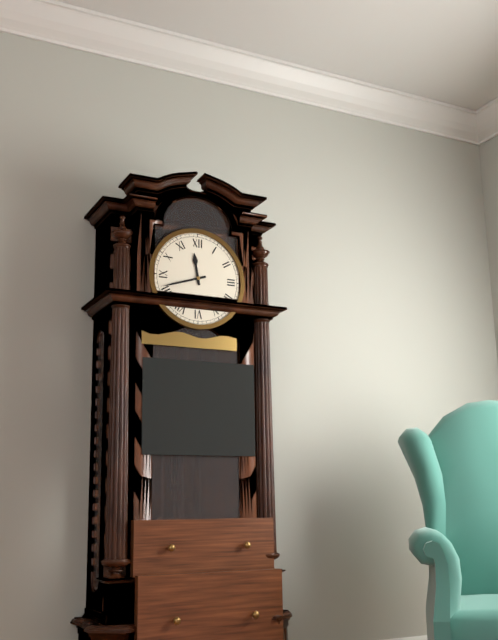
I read 11h42
